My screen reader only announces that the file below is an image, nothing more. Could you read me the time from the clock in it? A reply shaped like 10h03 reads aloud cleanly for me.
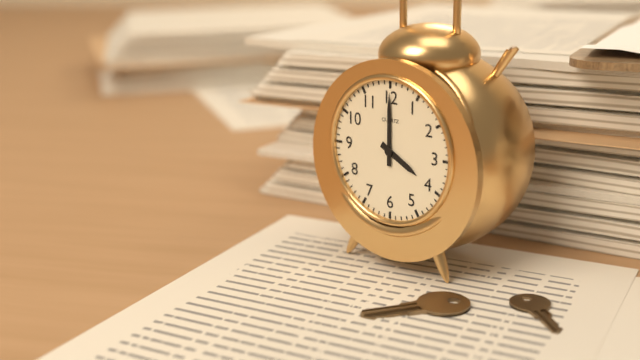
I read 4h00
